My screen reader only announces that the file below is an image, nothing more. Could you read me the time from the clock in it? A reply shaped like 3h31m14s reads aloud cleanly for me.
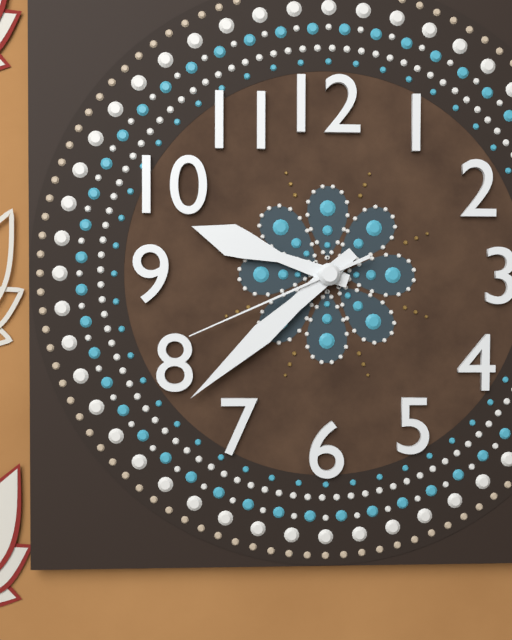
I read 9h38m41s
